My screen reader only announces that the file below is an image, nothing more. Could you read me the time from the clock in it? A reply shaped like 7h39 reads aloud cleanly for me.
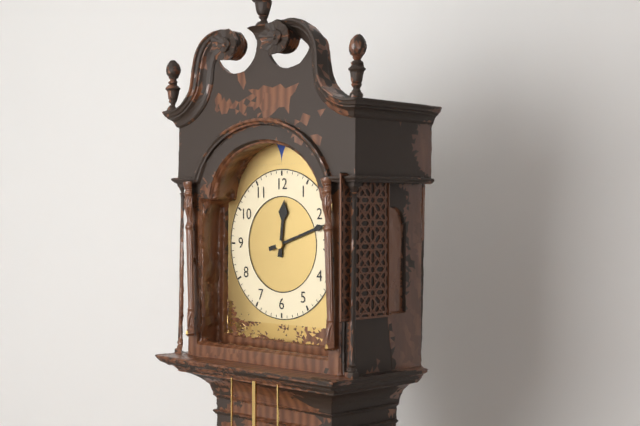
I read 12h12
